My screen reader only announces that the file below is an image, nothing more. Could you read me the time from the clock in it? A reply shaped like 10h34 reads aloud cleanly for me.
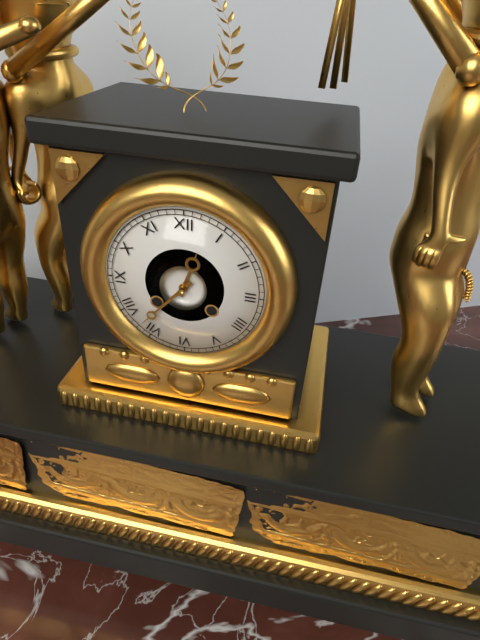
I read 12h37
